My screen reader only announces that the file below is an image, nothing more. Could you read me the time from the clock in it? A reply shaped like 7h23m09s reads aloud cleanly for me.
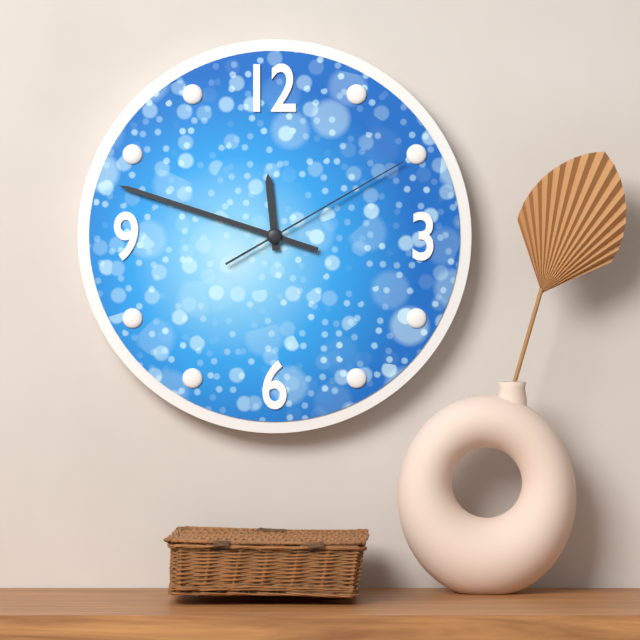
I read 11h48m10s
